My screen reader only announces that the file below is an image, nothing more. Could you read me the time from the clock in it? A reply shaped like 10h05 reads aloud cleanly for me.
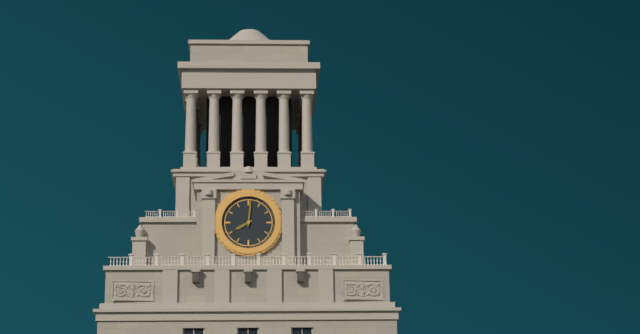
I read 8h01
